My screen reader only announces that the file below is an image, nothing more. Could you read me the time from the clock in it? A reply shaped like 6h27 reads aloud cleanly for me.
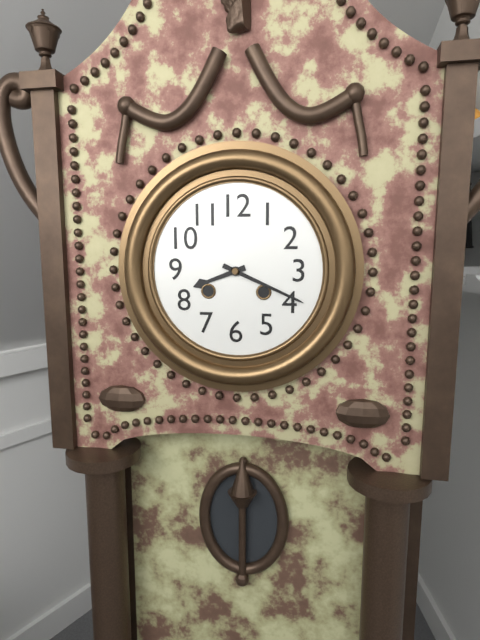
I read 8h19
